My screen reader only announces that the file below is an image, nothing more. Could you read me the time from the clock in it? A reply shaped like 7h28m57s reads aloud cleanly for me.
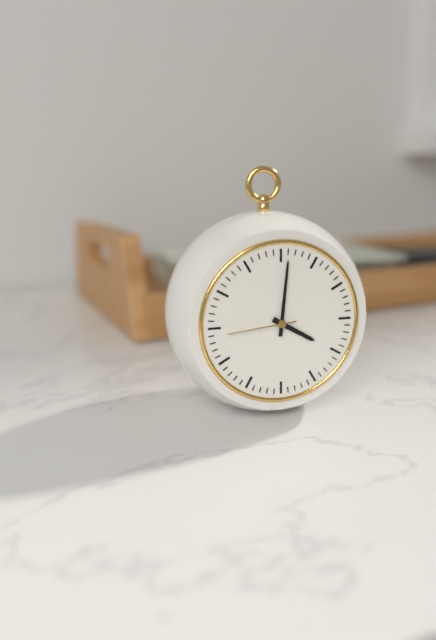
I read 4h01m44s
